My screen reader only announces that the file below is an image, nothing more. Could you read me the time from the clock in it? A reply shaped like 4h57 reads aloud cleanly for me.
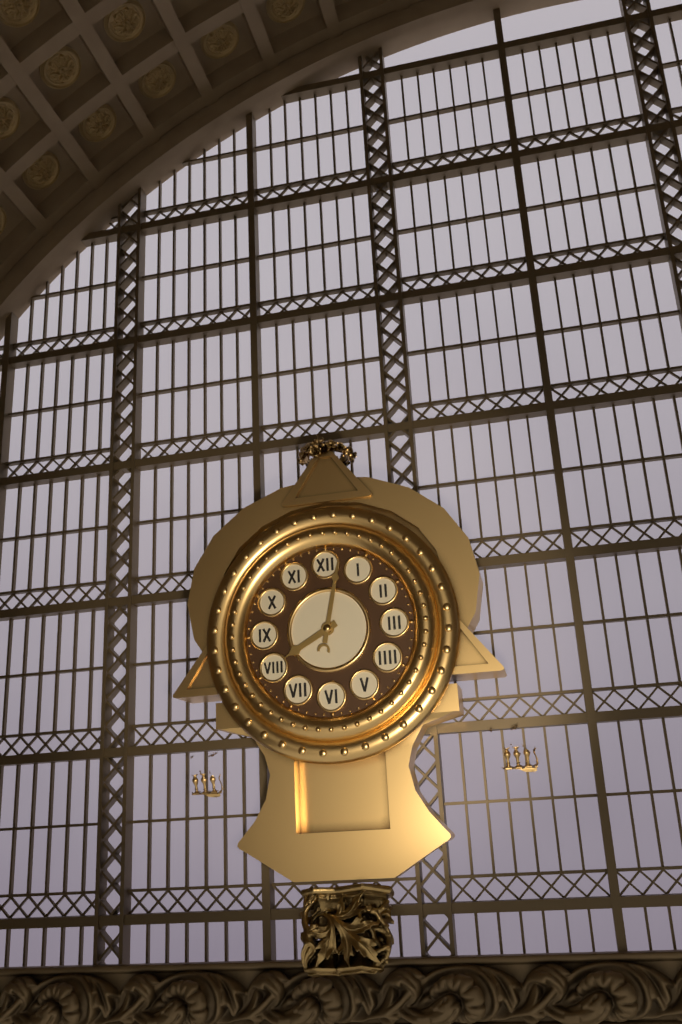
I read 8h02
